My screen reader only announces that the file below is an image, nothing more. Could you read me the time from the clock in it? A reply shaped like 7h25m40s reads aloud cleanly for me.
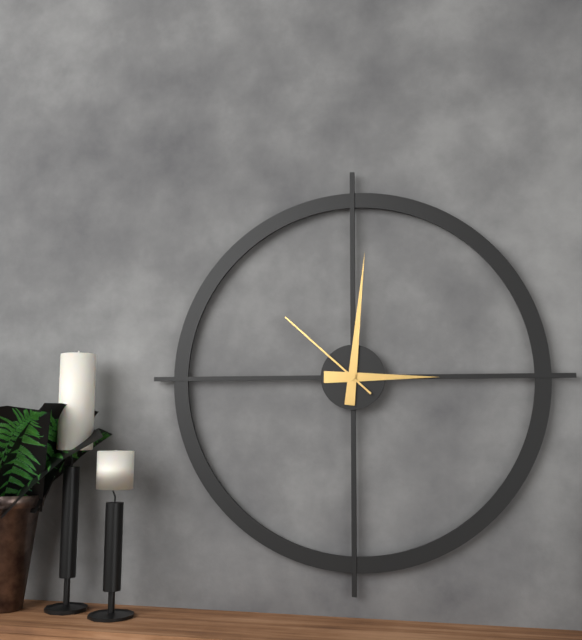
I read 3h01m52s
